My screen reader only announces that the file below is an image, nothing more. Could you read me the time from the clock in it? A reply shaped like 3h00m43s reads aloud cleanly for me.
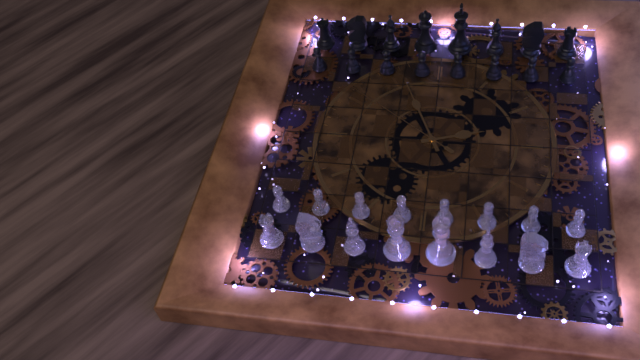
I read 8h26m21s
